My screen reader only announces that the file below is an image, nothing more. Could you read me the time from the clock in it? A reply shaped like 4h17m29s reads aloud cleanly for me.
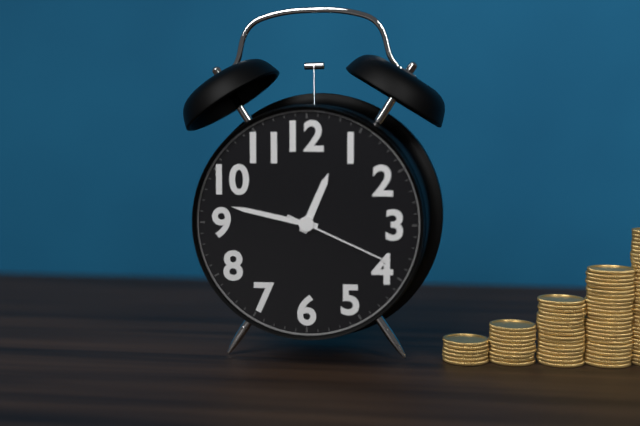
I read 12h47m19s
